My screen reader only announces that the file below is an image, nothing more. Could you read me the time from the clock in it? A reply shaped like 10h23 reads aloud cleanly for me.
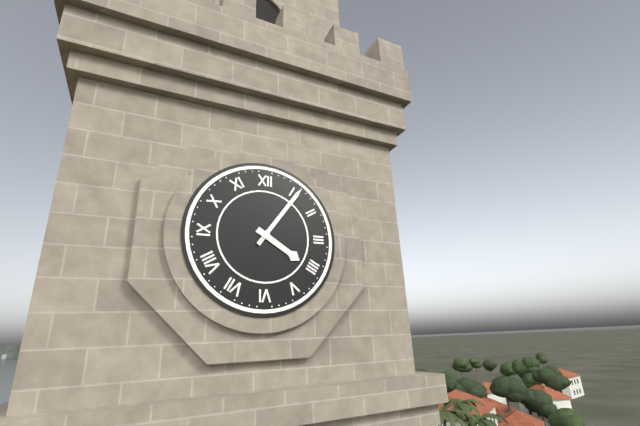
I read 4h06
